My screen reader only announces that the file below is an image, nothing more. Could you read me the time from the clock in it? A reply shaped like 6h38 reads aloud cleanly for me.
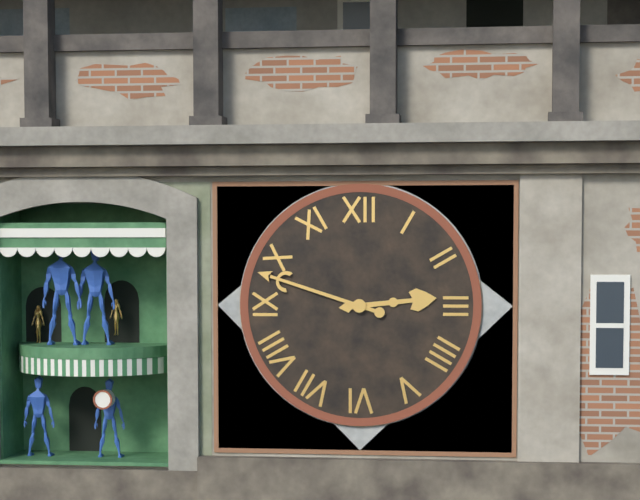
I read 2h48
